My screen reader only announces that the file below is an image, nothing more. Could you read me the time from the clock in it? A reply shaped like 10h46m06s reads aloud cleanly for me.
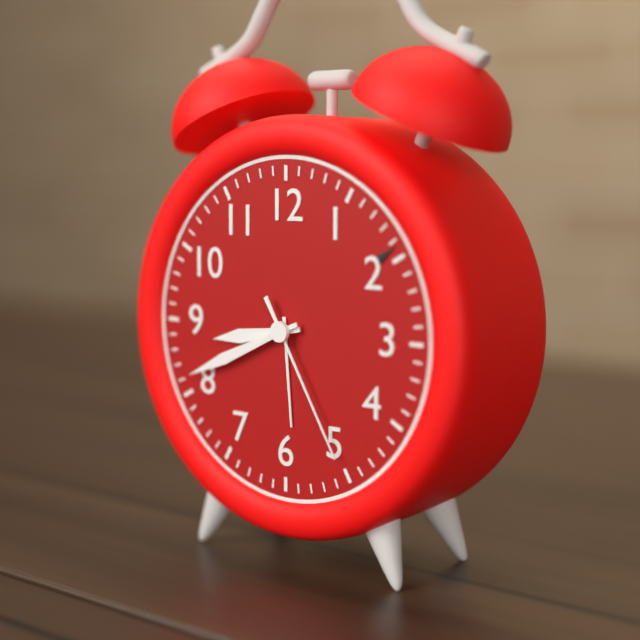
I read 8h41m25s
